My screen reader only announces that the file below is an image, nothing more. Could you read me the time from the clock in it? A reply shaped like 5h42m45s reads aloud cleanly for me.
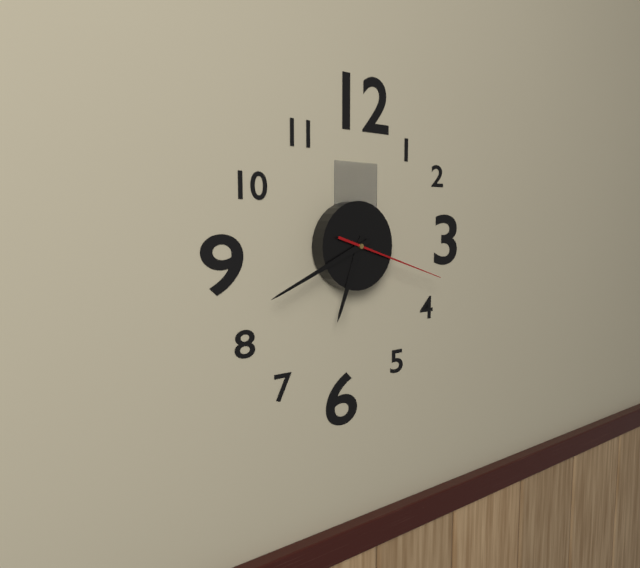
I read 6h41m18s
